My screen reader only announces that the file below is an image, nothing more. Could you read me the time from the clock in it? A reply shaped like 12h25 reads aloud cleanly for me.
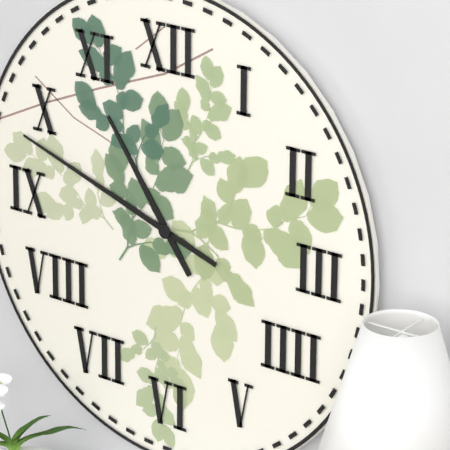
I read 10h48
